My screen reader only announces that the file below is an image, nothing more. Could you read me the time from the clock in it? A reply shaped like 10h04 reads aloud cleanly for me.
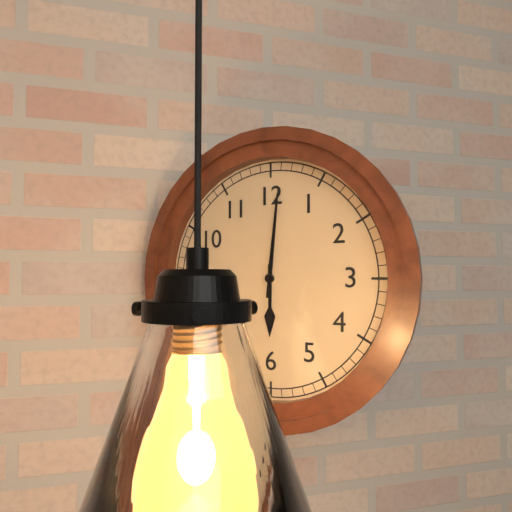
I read 6h01
